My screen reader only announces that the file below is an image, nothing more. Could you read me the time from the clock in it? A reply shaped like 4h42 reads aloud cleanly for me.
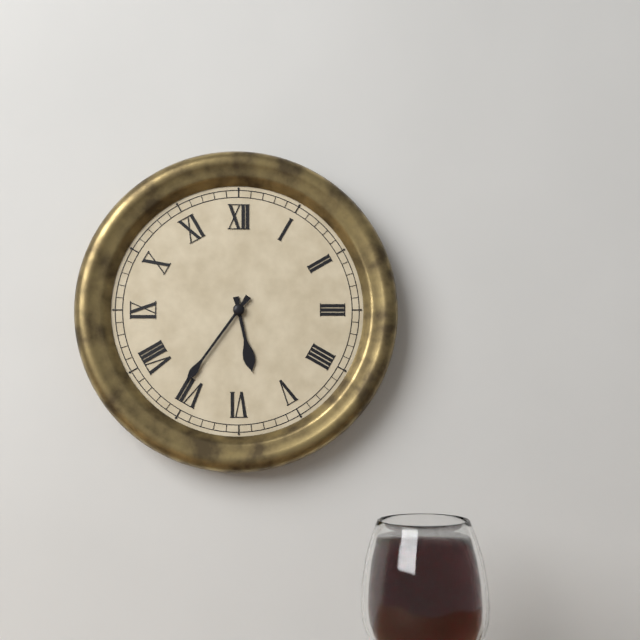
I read 5h36
